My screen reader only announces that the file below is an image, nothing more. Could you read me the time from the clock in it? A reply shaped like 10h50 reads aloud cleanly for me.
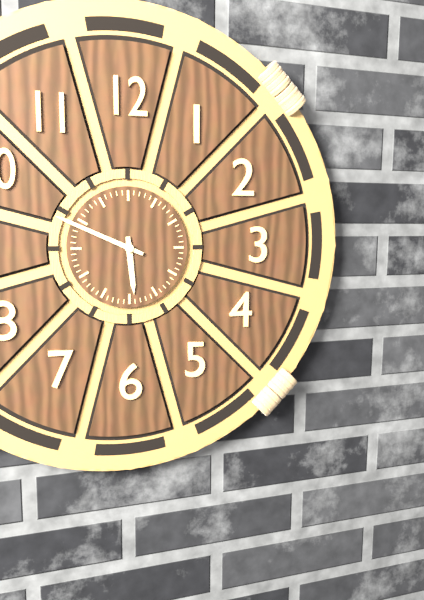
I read 5h49
